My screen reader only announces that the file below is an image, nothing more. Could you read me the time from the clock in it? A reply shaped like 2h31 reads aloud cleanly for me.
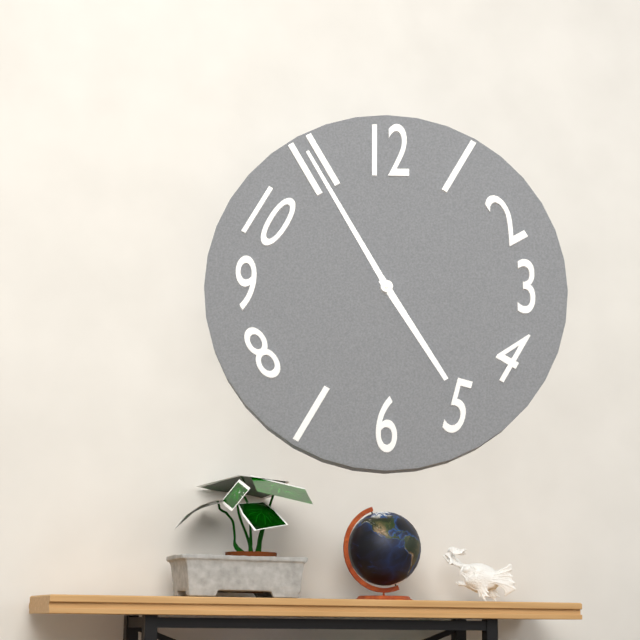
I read 4h55
